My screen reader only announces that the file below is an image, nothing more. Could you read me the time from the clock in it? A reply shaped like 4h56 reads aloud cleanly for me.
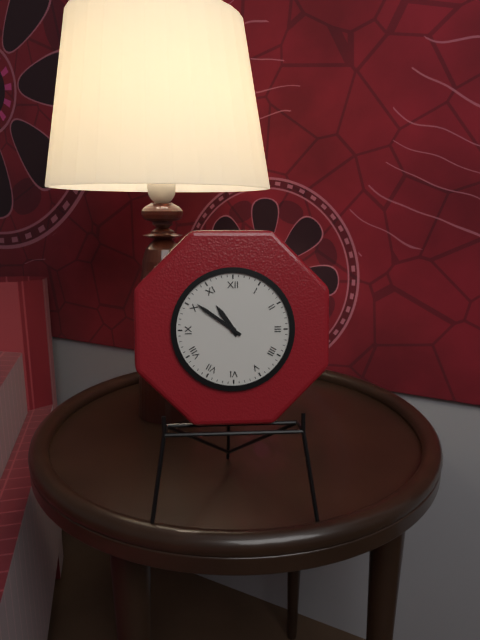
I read 10h51
